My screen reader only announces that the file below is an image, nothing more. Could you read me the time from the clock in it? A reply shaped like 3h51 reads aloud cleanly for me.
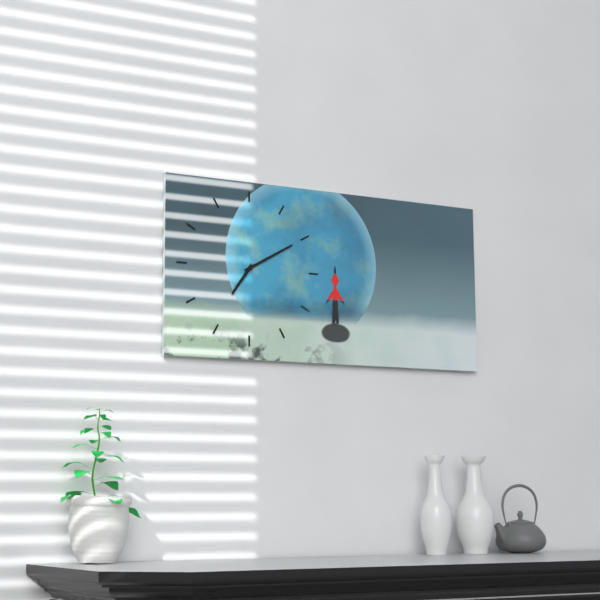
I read 7h10
